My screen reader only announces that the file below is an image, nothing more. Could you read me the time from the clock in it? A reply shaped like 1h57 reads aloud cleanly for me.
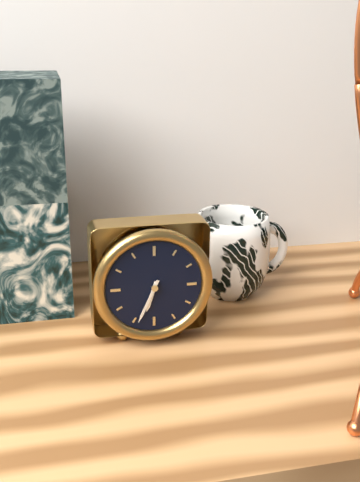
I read 6h34
